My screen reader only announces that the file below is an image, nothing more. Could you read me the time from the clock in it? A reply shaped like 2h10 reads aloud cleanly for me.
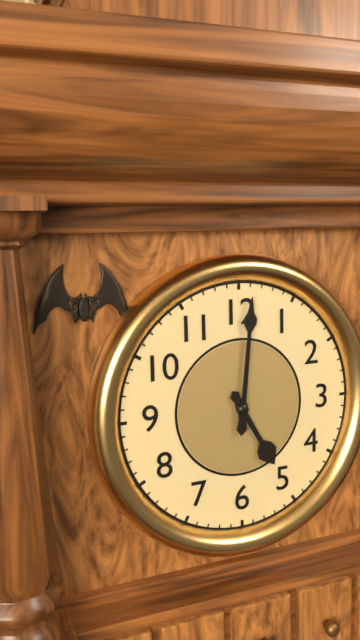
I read 5h01
